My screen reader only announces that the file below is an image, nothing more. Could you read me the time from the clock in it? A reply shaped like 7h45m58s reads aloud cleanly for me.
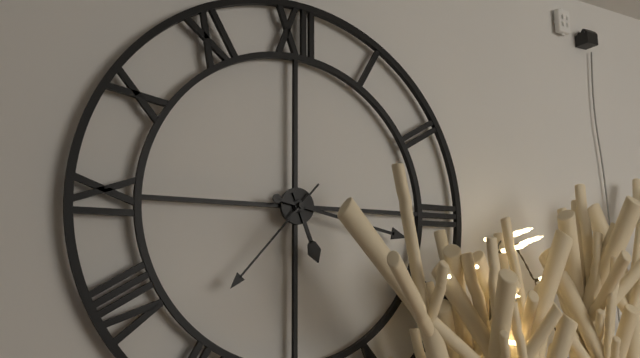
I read 5h17m37s
